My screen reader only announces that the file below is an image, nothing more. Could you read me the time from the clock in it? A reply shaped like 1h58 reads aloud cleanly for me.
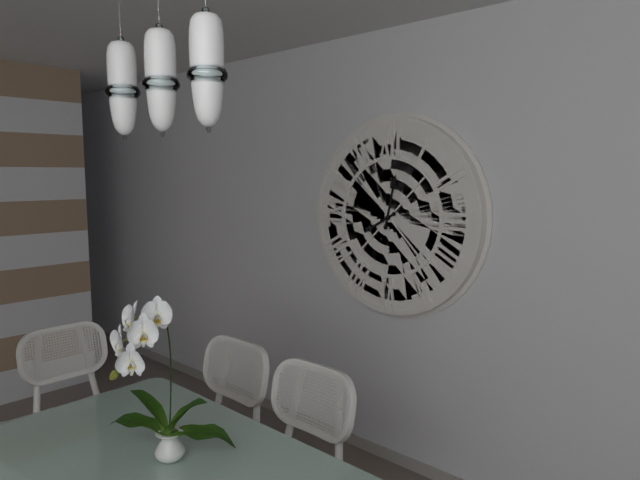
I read 8h02
